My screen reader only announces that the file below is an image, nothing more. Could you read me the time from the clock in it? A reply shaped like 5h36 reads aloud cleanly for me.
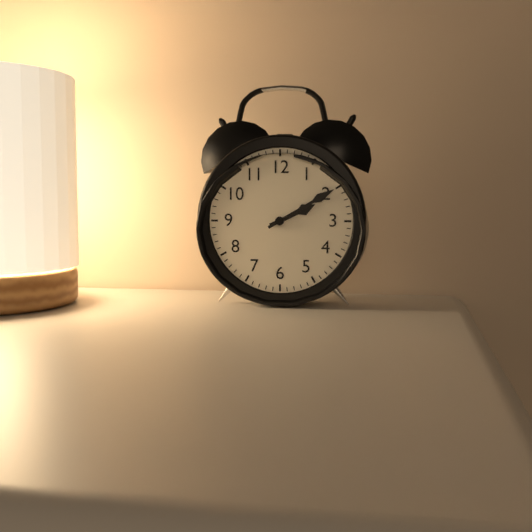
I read 2h10
